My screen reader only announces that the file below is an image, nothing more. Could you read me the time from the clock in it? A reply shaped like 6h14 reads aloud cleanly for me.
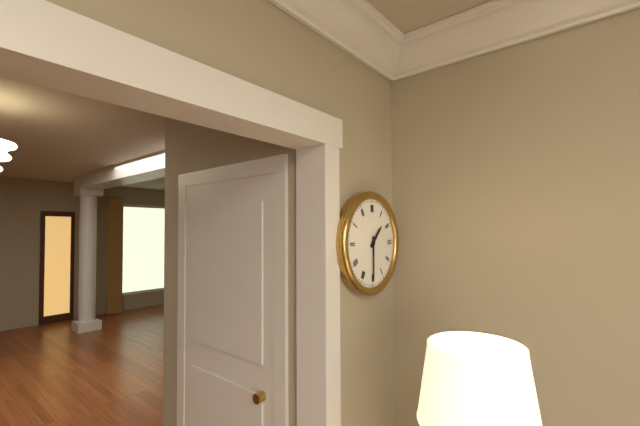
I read 1h30
